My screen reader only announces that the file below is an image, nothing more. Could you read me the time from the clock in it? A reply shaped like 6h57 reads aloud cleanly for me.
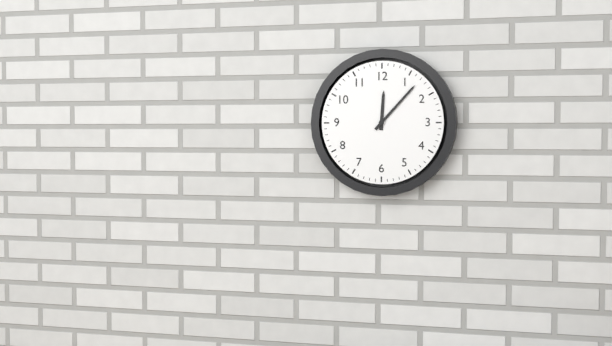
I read 12h07
